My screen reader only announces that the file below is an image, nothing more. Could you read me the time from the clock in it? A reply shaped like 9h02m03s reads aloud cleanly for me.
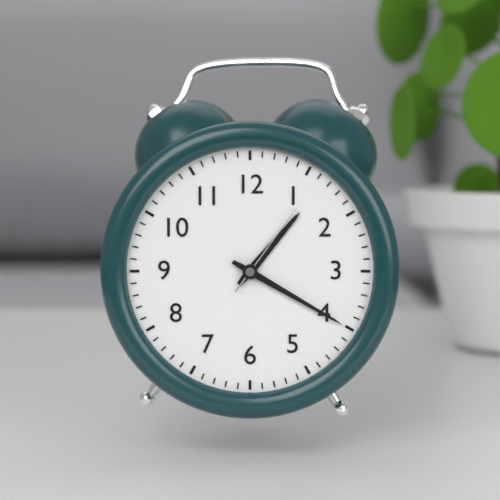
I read 1h20m06s
